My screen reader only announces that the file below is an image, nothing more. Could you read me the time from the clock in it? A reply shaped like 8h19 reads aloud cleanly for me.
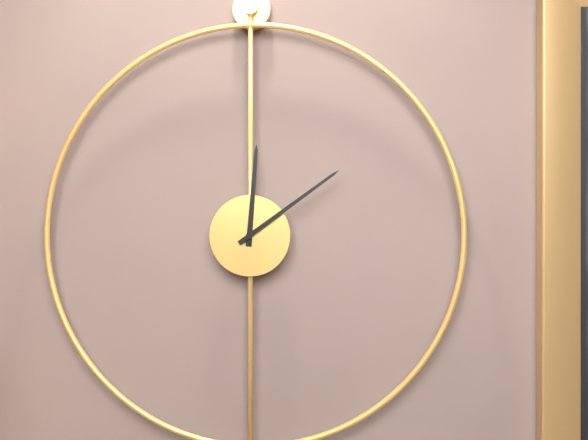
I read 12h09
